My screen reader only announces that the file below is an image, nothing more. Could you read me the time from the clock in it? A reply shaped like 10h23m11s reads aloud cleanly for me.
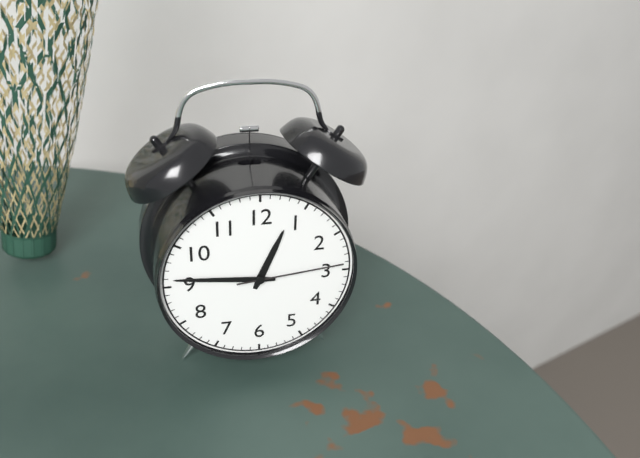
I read 12h46m14s
